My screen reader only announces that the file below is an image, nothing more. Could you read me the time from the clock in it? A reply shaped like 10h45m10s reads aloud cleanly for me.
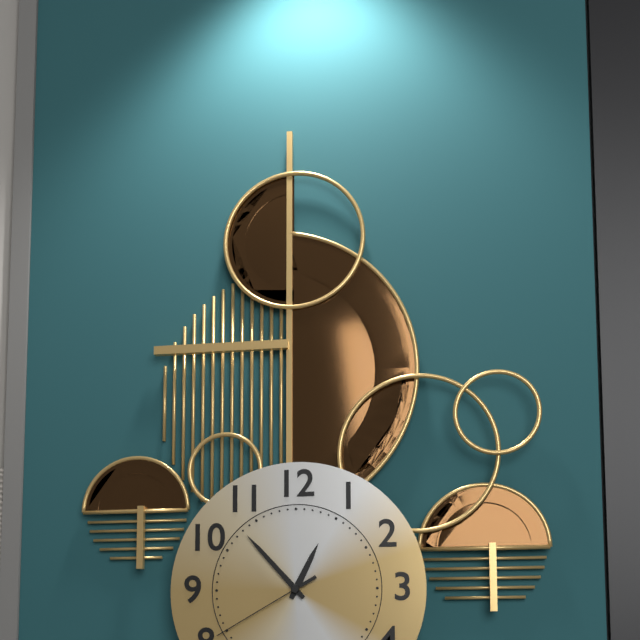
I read 12h53m40s
